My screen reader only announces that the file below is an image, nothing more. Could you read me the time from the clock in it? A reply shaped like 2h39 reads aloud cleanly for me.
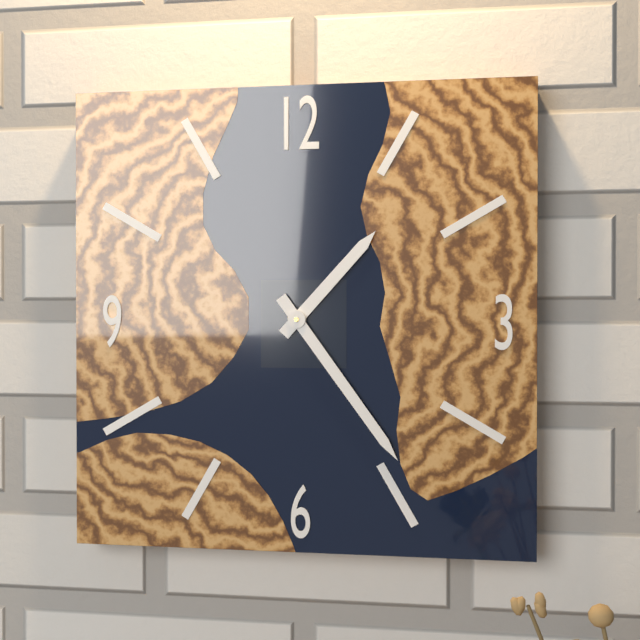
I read 1h24
